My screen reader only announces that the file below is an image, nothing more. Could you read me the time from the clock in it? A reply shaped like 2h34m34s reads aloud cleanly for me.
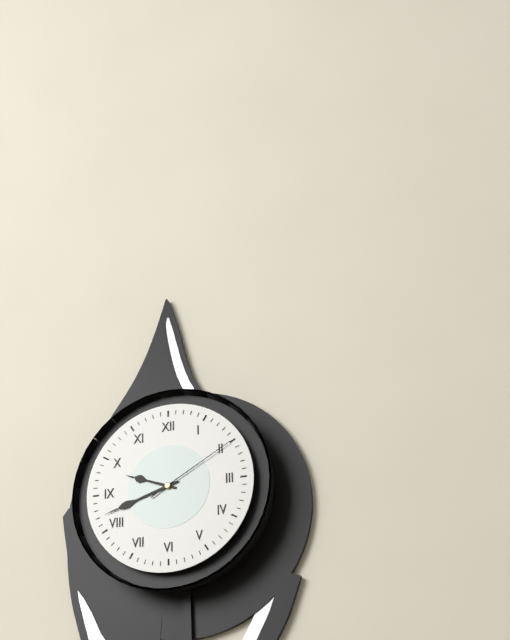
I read 9h42m10s
